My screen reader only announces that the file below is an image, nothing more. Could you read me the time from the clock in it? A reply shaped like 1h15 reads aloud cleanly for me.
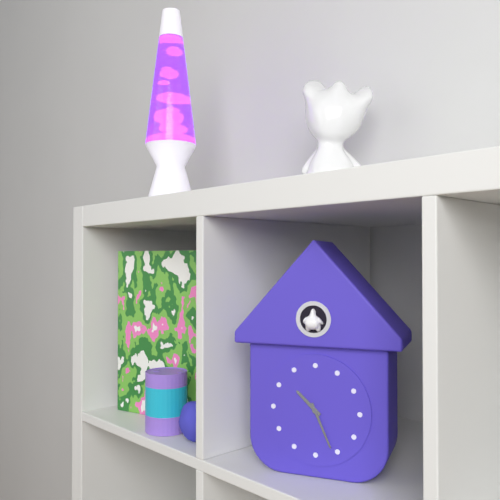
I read 10h26
